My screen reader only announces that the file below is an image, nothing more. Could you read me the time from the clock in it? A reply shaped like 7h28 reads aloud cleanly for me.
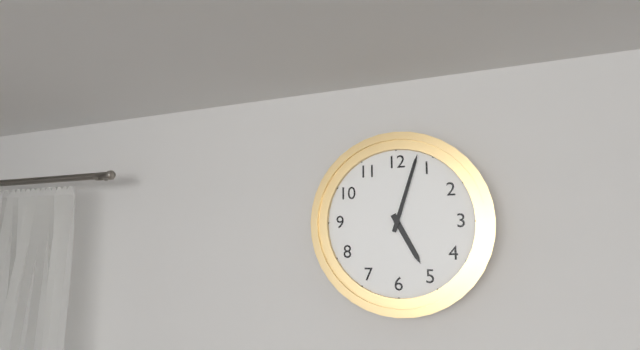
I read 5h03
